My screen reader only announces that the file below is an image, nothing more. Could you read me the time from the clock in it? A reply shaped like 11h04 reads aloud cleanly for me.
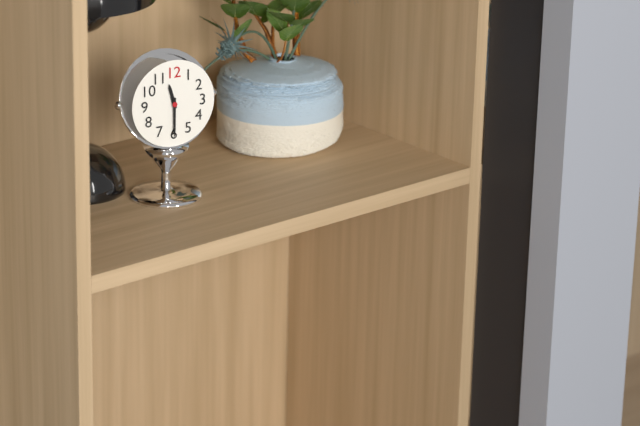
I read 11h30
